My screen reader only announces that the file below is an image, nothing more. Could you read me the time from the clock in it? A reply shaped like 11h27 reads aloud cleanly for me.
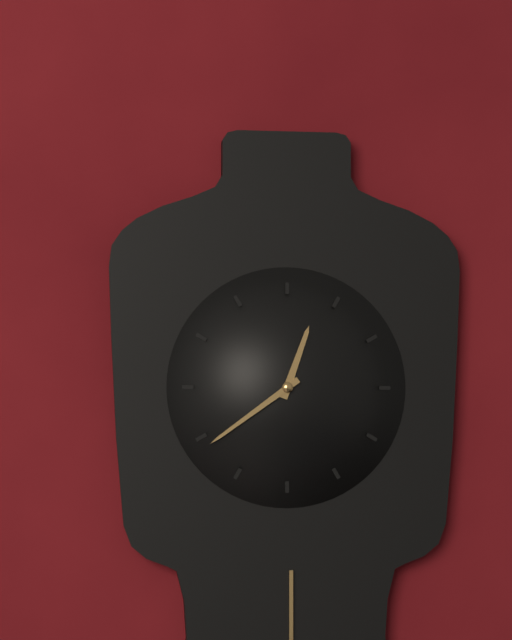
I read 12h39
